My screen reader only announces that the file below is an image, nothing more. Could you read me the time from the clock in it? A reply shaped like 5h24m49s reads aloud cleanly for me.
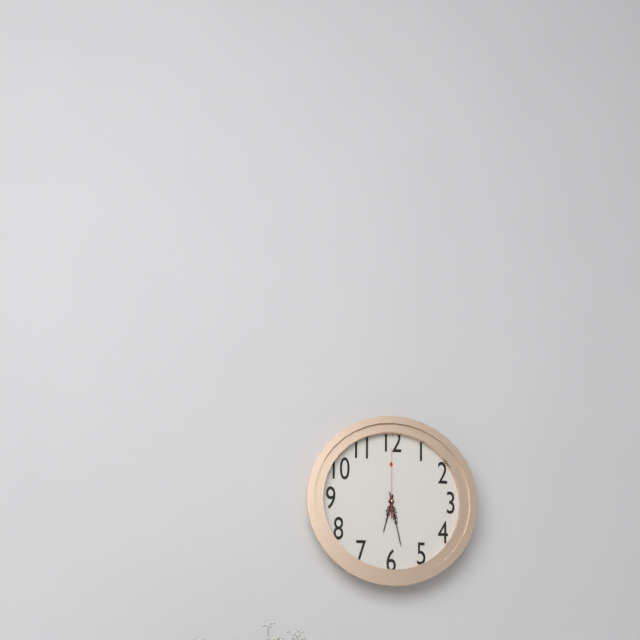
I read 6h28m00s
